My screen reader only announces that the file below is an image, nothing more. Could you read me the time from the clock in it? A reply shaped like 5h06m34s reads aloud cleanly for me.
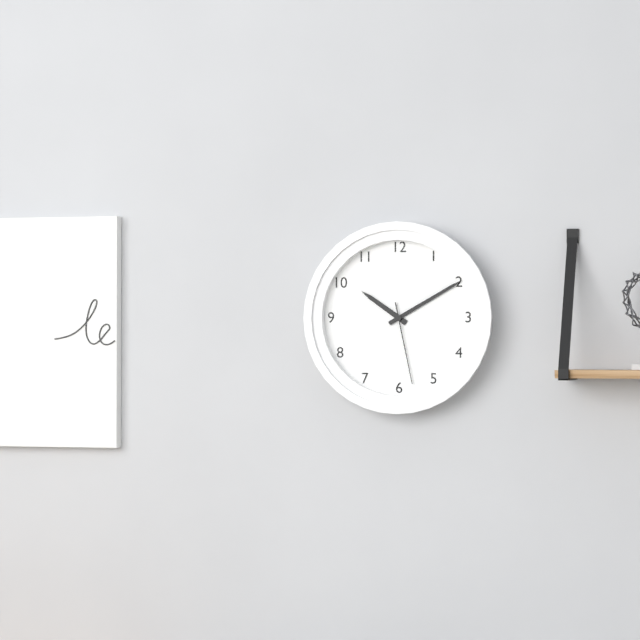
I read 10h10m28s
